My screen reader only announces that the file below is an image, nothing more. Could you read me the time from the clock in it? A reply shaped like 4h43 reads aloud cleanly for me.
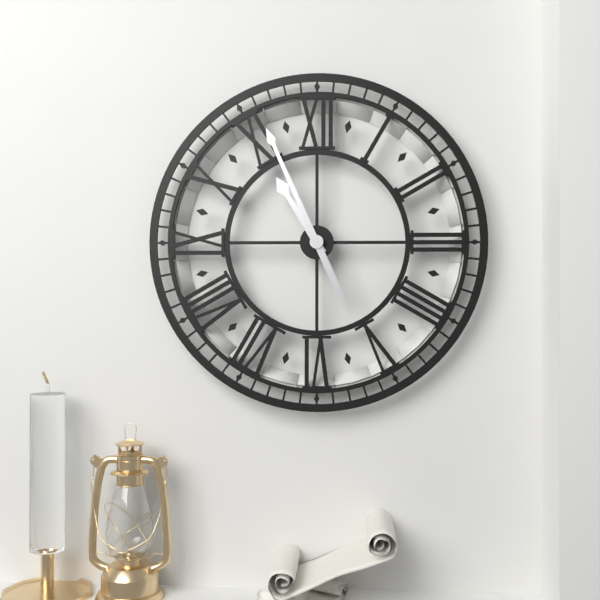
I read 10h56
